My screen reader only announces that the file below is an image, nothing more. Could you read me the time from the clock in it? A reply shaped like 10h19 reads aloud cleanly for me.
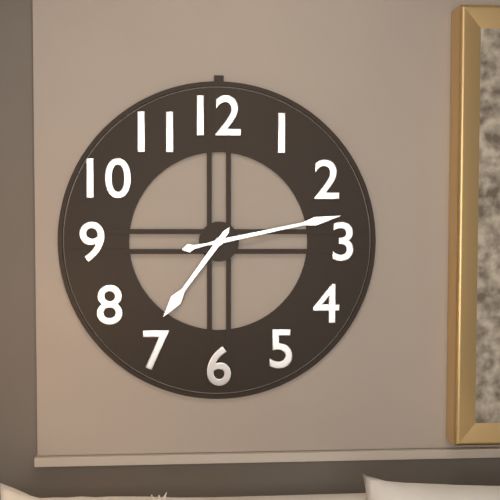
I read 7h13
